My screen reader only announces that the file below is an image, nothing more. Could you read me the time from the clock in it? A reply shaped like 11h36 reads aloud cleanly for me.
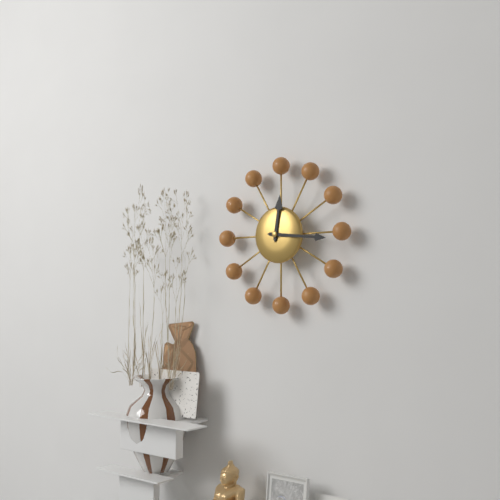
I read 12h16
